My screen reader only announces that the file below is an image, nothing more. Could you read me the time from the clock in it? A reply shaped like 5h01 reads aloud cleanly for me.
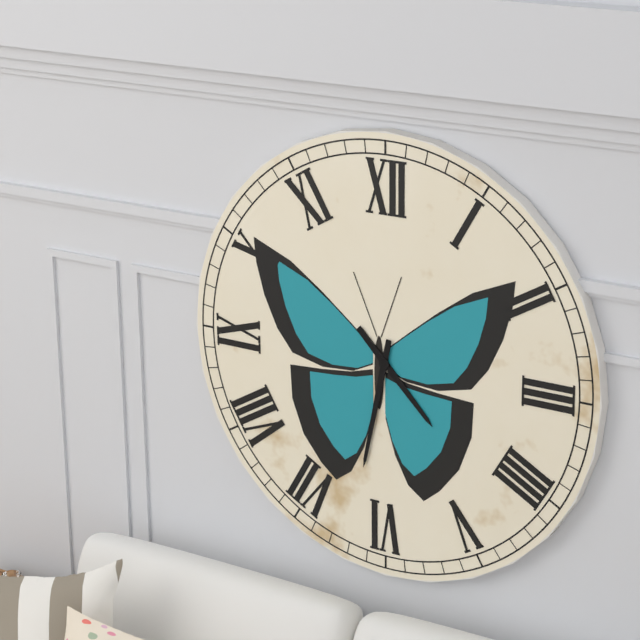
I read 4h32
